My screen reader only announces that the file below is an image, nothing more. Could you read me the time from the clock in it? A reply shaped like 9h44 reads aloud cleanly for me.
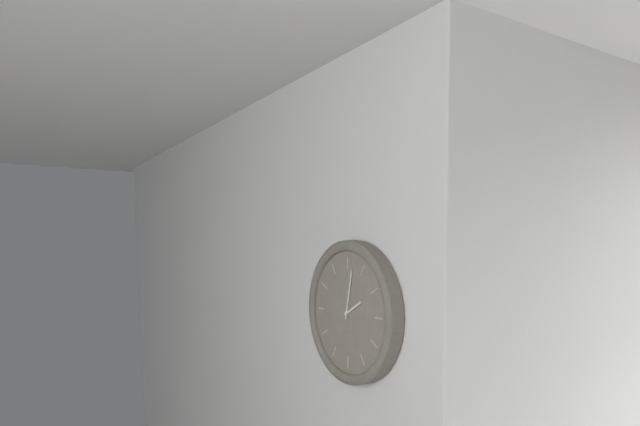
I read 2h02
